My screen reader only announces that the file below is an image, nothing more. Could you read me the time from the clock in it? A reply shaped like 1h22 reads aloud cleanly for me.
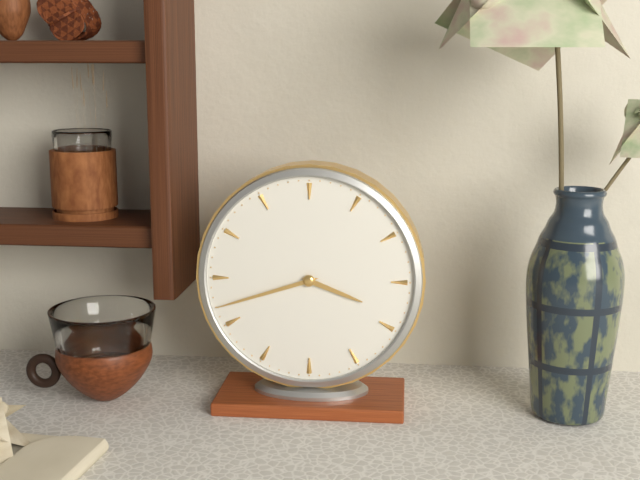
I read 3h42
